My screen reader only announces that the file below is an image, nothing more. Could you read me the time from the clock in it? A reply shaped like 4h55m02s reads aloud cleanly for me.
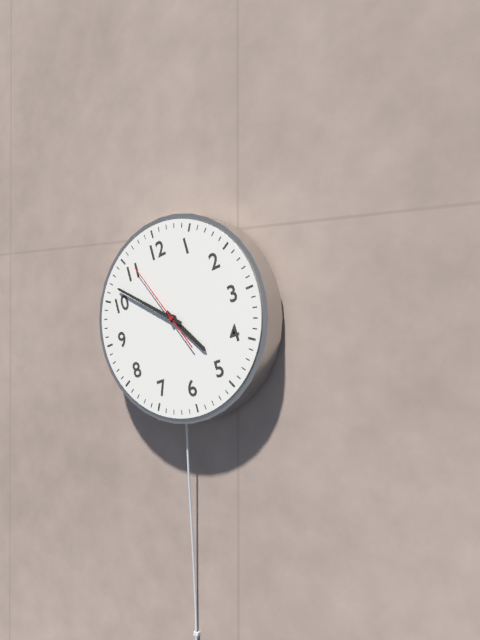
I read 4h52m56s
